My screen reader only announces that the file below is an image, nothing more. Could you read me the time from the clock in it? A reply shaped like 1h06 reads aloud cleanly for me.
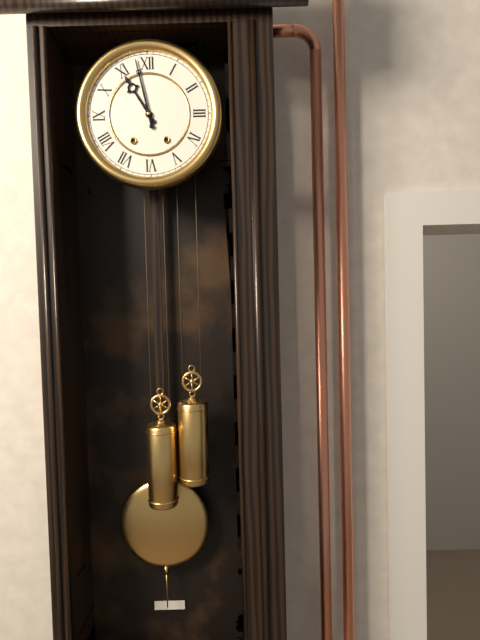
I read 10h58
